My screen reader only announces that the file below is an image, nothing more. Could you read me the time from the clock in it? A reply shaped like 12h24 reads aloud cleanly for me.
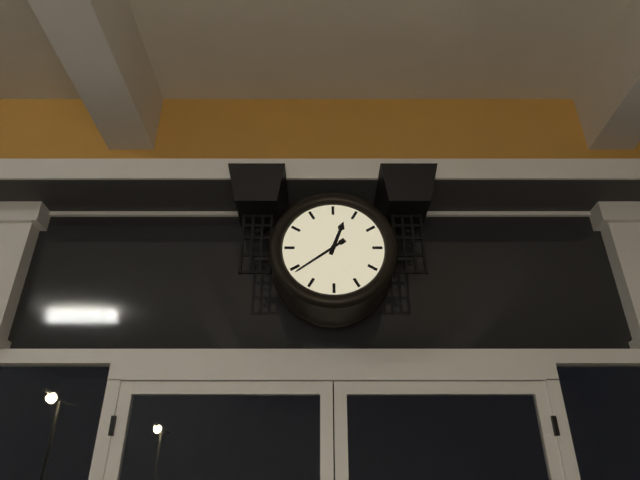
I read 12h39
